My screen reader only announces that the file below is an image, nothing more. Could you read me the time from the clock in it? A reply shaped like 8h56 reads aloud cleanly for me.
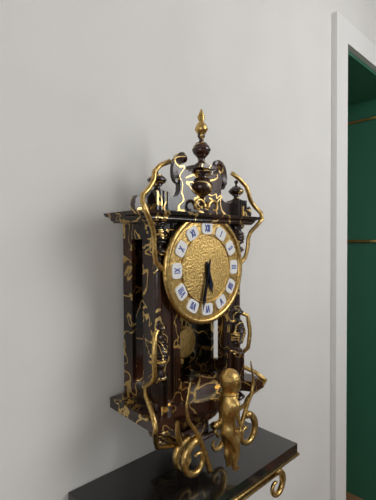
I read 5h32
